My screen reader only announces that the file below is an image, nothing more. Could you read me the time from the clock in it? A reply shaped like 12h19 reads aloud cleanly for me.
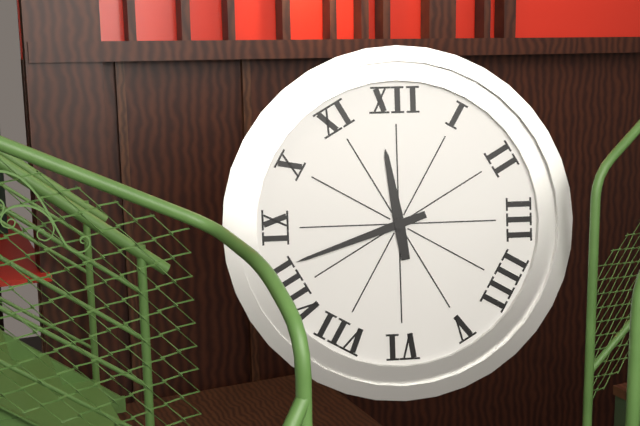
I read 11h42
